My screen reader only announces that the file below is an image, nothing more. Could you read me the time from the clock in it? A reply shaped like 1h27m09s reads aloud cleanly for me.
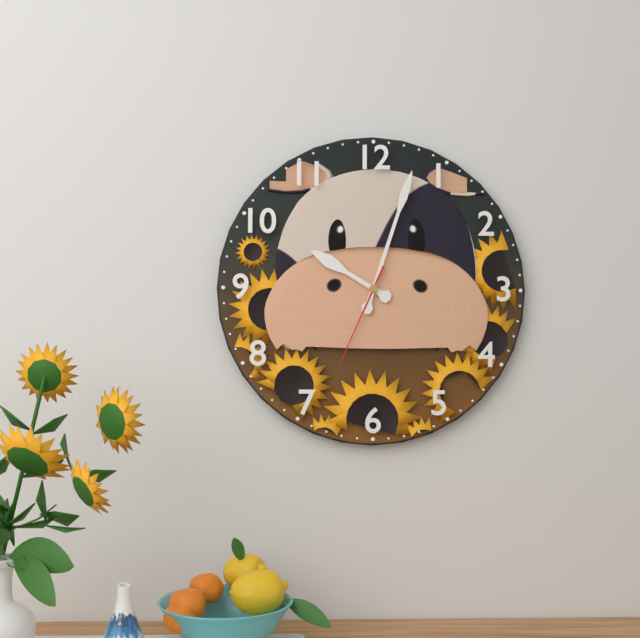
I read 10h03m34s
